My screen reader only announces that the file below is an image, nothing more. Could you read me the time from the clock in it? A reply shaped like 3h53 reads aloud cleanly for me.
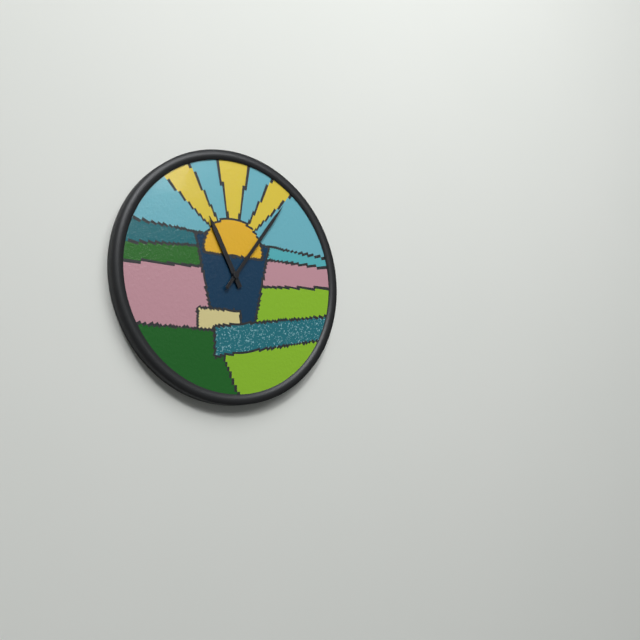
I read 11h06
